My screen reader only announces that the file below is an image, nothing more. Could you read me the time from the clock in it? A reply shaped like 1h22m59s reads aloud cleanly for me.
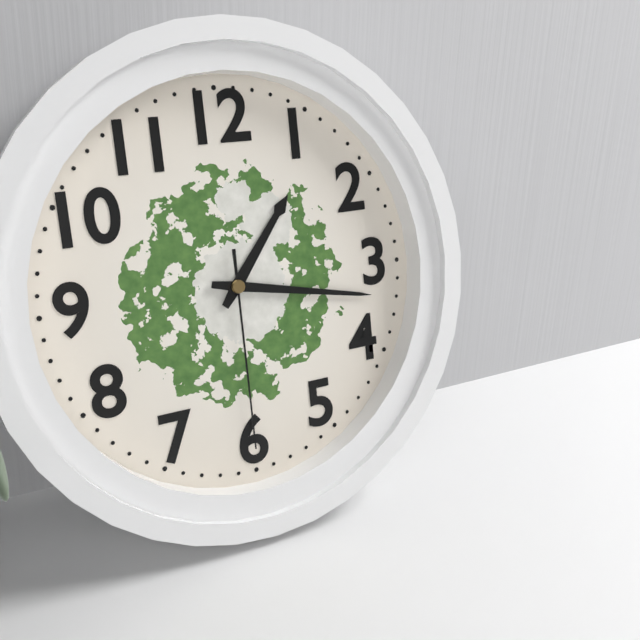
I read 1h17m30s
